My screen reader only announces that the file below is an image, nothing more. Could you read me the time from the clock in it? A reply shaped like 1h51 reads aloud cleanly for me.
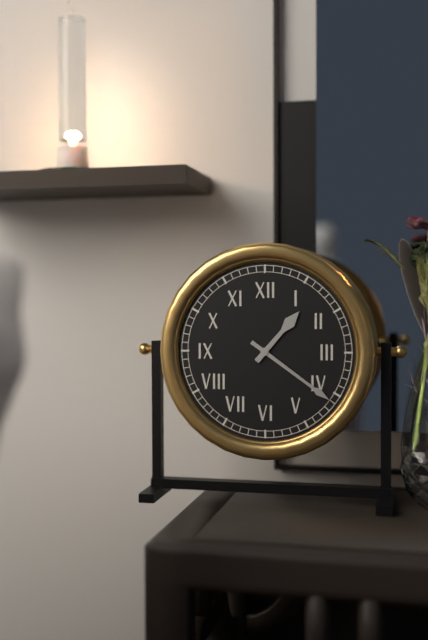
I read 1h21
